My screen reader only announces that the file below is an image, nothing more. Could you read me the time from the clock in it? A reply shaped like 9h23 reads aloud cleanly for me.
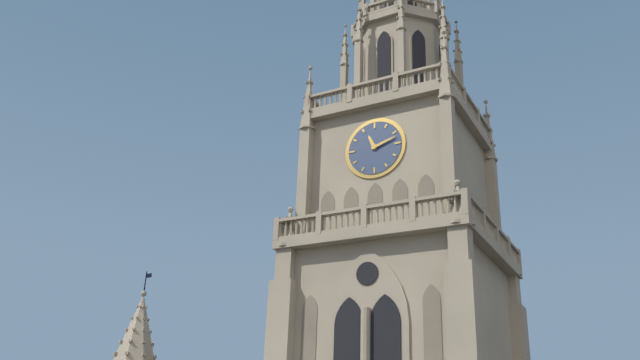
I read 11h12
